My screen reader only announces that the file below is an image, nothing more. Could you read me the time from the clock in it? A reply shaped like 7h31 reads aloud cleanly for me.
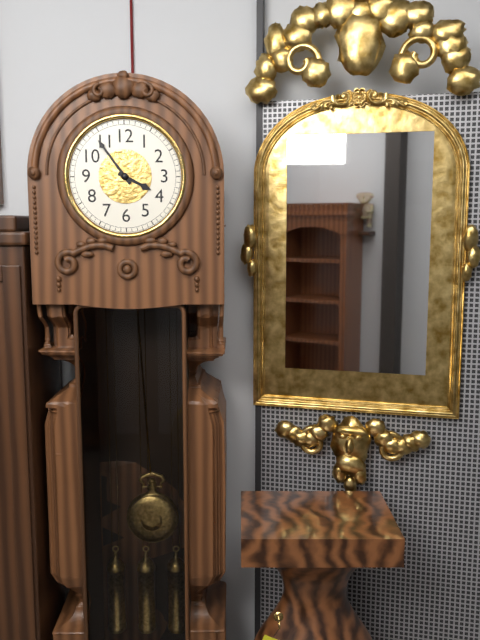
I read 3h54
